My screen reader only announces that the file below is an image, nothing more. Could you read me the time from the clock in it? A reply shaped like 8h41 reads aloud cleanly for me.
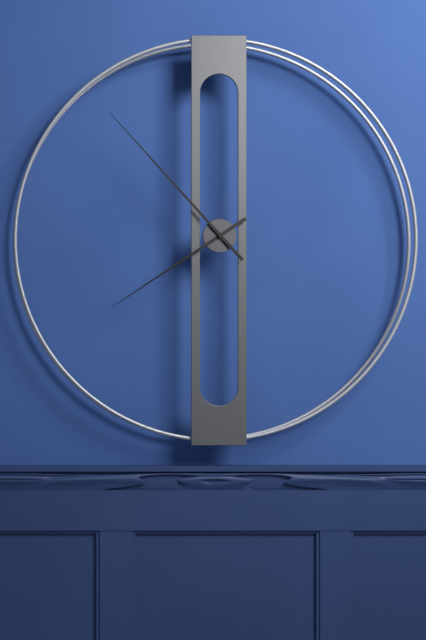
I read 7h53
